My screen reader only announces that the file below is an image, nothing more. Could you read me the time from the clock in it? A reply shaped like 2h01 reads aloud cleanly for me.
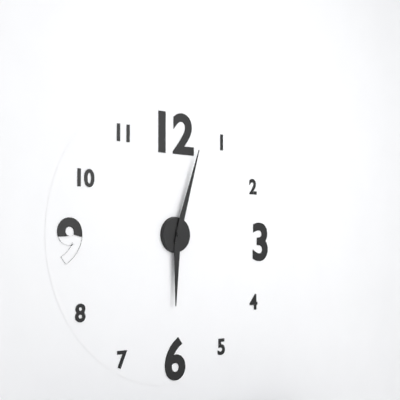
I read 6h03
